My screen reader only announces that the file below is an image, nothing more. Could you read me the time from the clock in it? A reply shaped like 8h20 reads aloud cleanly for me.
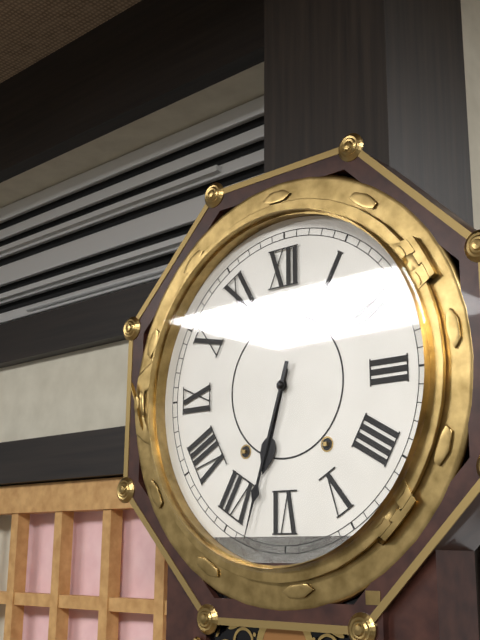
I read 6h33
